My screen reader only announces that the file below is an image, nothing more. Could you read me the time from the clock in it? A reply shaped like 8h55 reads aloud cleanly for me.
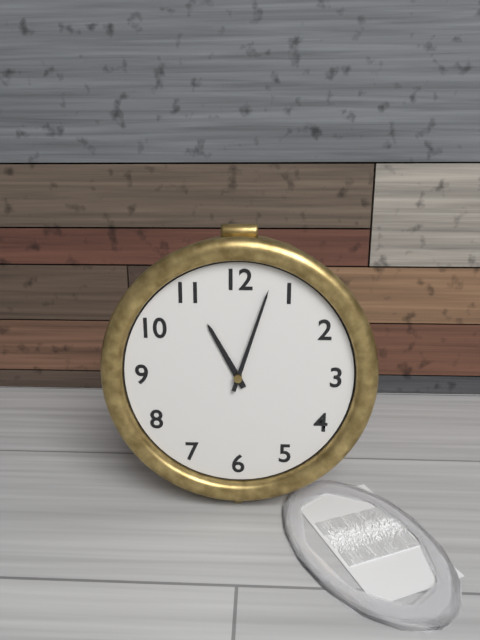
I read 11h03
